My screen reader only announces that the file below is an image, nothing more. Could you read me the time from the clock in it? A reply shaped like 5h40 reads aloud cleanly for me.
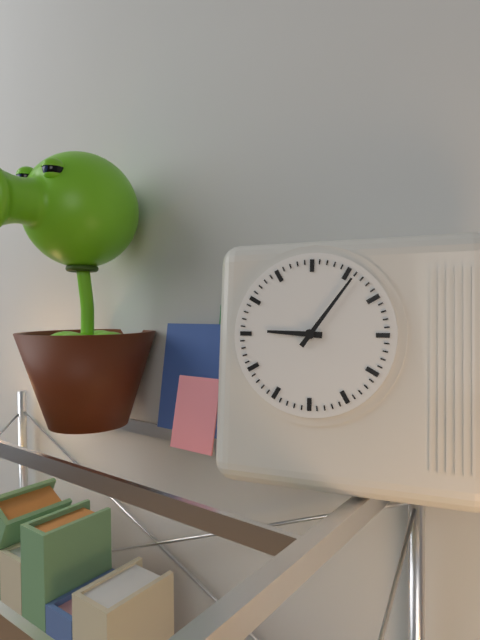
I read 9h06
